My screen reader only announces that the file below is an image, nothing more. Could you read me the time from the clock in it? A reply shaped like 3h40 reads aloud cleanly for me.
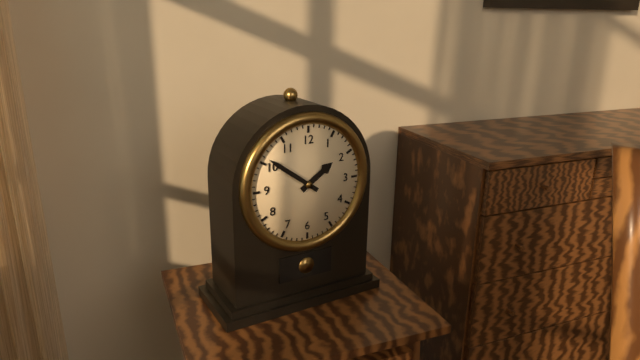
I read 1h51
